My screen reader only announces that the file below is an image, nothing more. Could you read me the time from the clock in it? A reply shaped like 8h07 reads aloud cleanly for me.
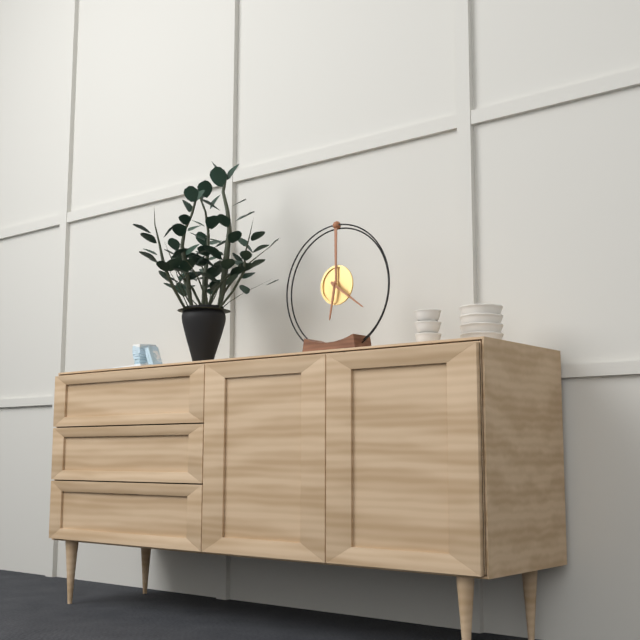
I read 6h21
